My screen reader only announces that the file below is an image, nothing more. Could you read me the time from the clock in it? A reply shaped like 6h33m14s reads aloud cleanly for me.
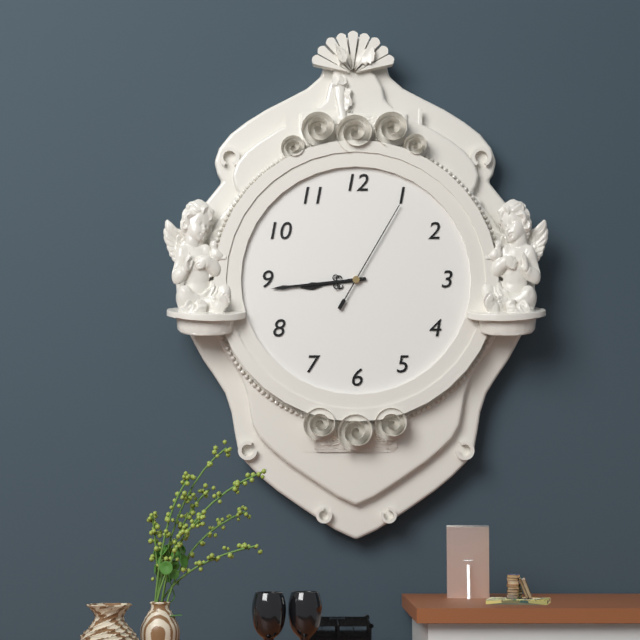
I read 8h44m05s
